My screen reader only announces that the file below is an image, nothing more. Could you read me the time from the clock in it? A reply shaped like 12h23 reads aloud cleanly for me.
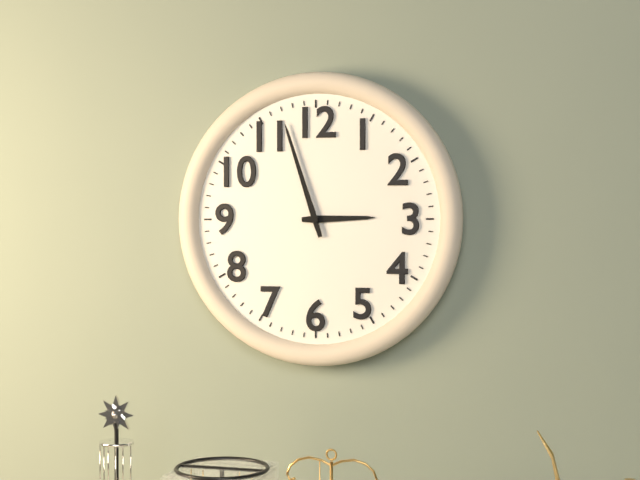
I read 2h57
